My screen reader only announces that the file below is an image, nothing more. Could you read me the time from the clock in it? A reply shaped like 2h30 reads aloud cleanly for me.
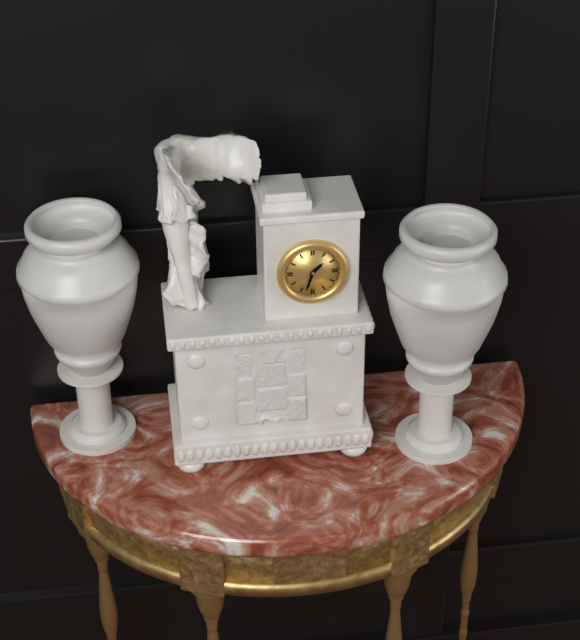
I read 1h33
